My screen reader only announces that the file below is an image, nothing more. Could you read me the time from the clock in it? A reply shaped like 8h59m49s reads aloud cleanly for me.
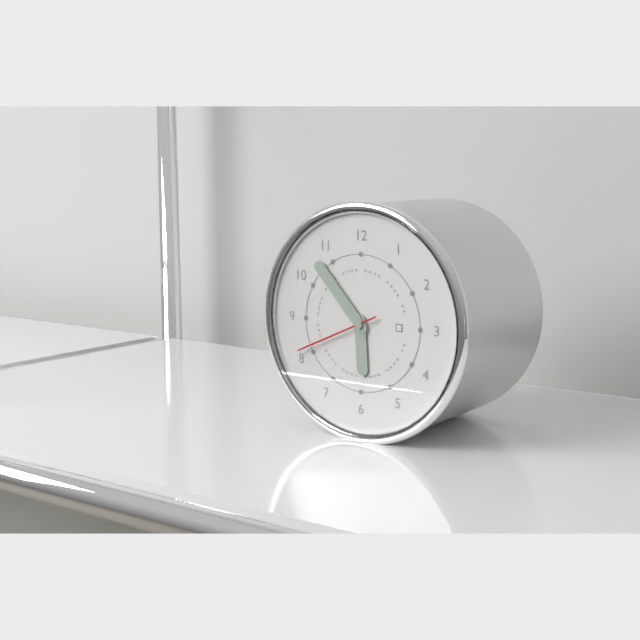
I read 5h53m41s
